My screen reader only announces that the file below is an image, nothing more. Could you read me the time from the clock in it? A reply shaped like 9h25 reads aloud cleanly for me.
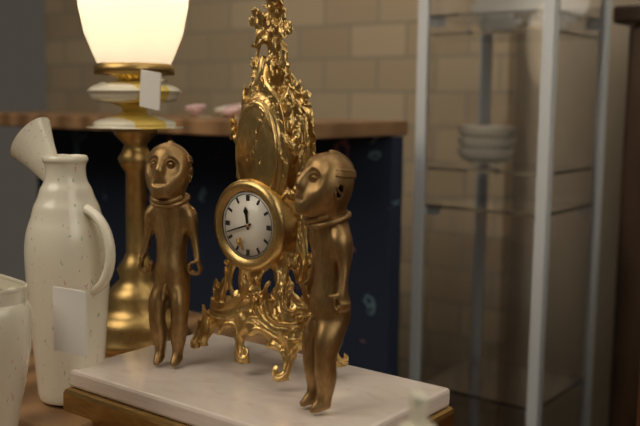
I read 11h42
